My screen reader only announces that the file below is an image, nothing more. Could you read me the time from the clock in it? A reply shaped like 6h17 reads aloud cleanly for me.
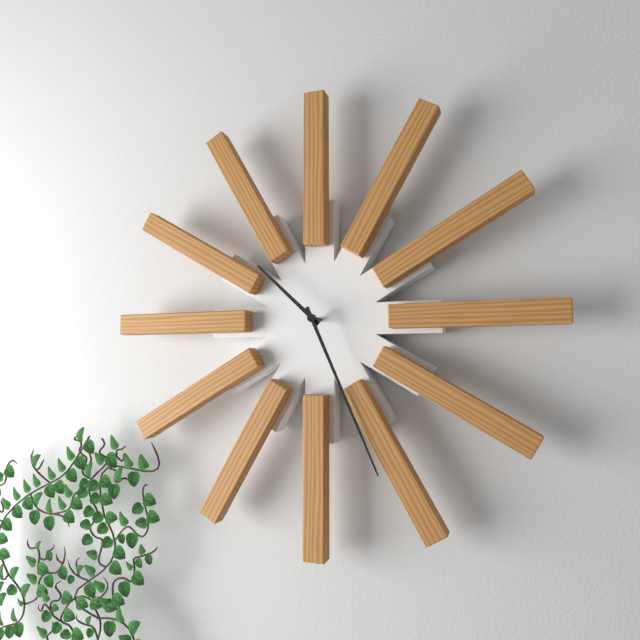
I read 10h26
